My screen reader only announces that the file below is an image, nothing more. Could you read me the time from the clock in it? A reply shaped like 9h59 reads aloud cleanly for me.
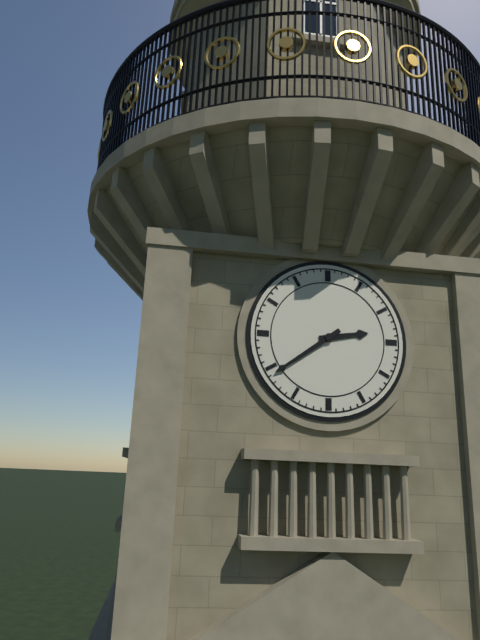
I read 2h39
